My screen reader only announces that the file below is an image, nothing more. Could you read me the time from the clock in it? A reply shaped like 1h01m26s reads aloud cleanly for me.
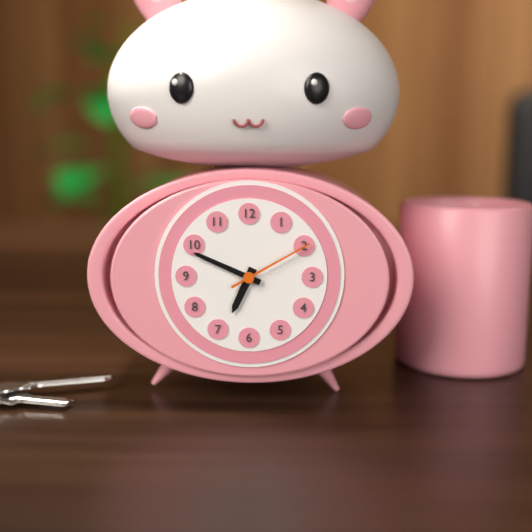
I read 6h49m10s
